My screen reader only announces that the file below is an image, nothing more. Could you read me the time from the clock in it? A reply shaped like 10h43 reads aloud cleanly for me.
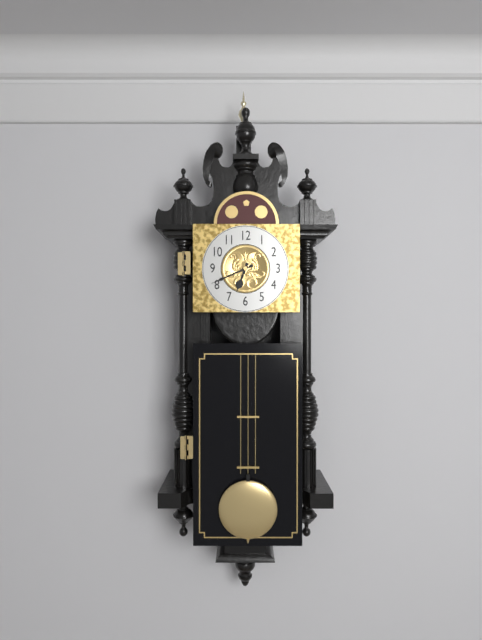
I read 6h41
